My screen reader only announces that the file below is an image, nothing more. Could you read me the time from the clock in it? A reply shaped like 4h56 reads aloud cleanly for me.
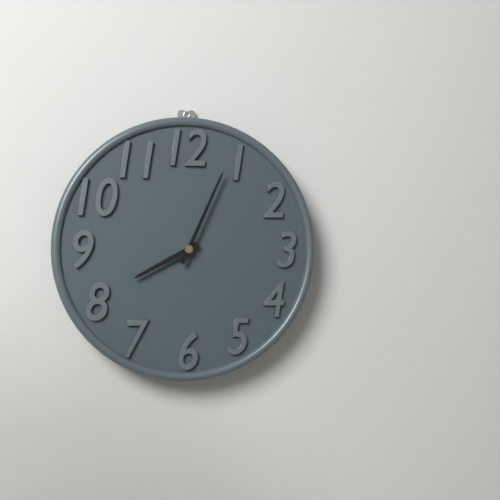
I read 8h04
